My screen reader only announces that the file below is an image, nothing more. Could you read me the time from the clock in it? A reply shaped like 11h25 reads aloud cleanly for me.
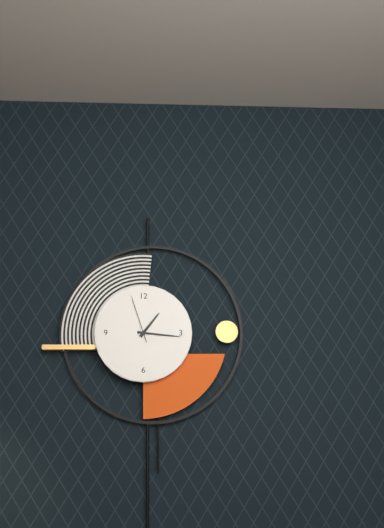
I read 1h16
